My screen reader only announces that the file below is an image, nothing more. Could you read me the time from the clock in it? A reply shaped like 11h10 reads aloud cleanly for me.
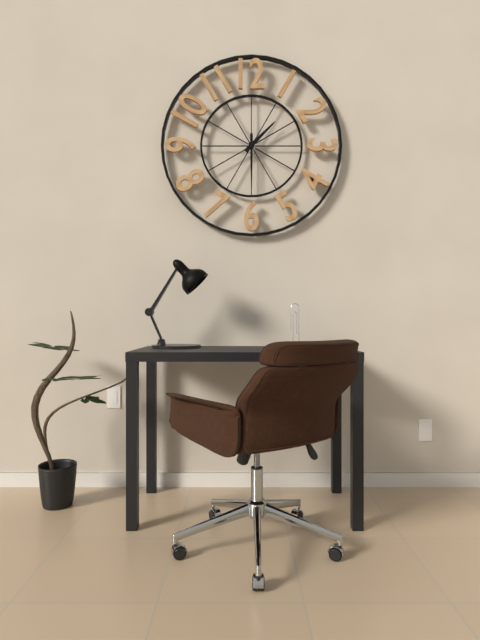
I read 1h30
